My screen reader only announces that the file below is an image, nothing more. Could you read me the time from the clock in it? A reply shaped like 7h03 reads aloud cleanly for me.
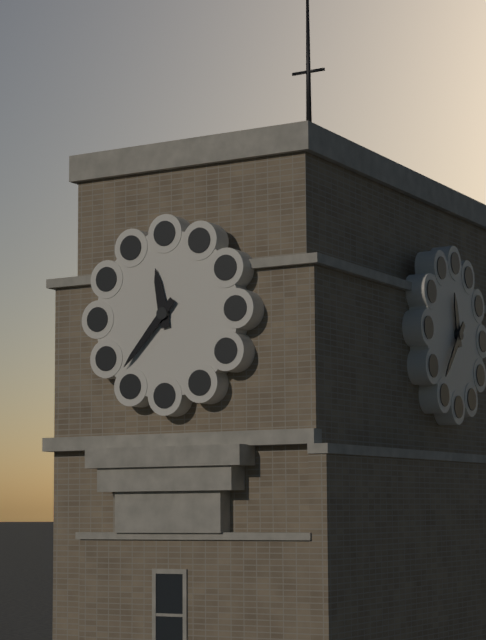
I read 11h37
